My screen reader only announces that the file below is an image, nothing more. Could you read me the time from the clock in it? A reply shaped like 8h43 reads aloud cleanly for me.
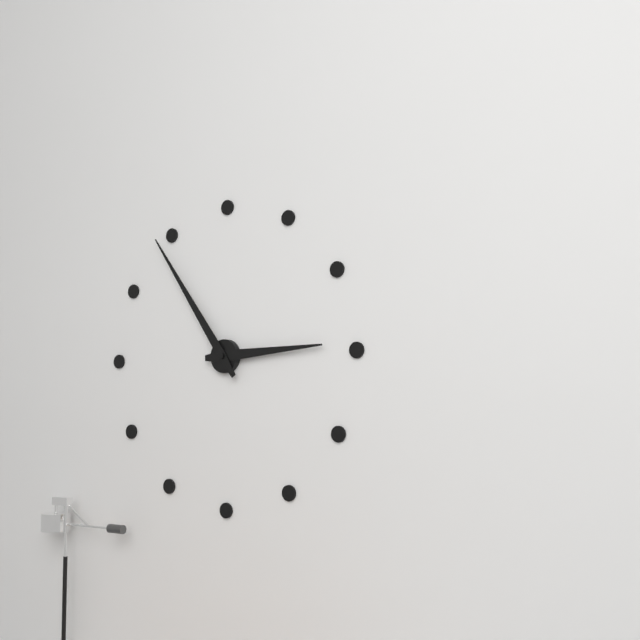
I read 2h54
